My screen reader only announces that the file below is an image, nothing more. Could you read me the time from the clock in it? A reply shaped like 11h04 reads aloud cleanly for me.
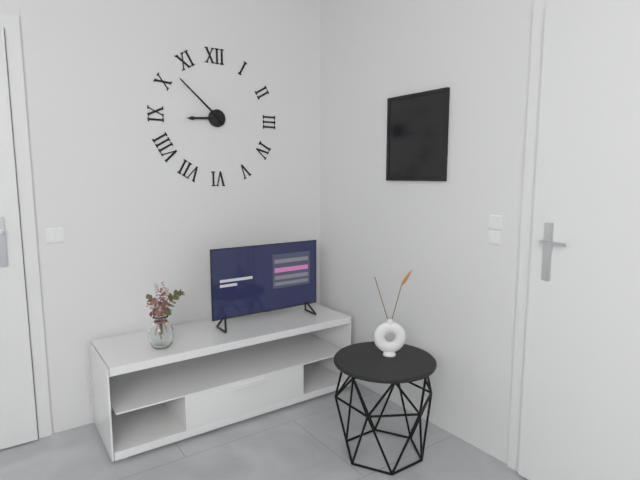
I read 8h52
